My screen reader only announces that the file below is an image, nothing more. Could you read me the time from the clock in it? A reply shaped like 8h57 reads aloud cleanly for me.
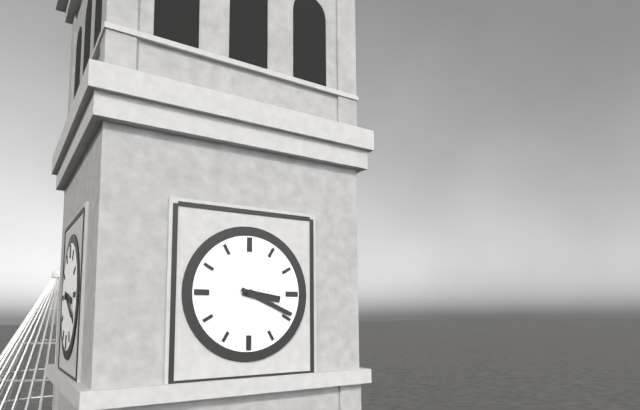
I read 3h19
